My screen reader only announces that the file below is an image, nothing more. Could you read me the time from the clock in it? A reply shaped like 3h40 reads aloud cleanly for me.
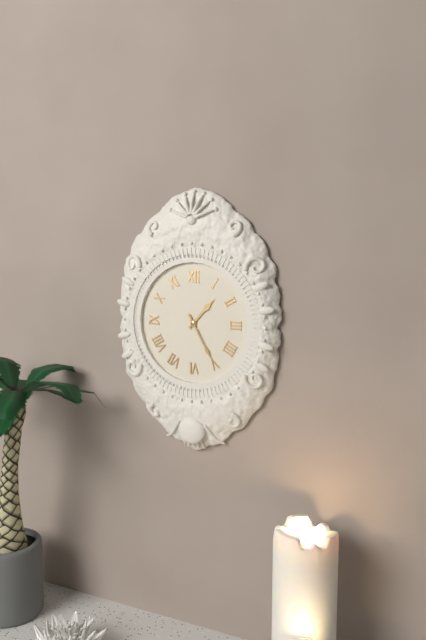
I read 1h25
